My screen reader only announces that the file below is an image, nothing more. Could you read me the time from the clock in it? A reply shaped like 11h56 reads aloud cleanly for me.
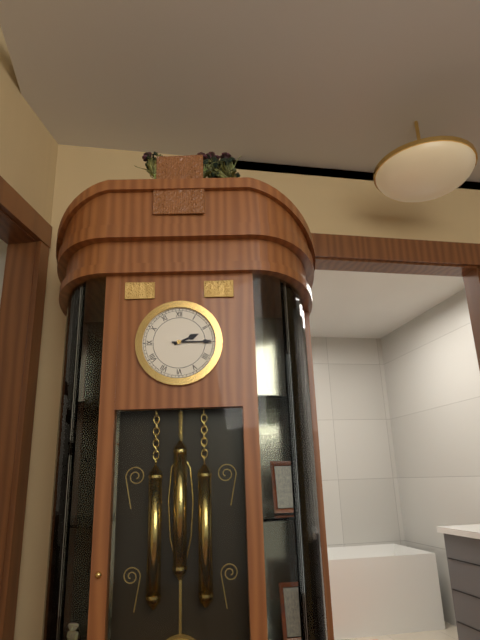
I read 2h15
